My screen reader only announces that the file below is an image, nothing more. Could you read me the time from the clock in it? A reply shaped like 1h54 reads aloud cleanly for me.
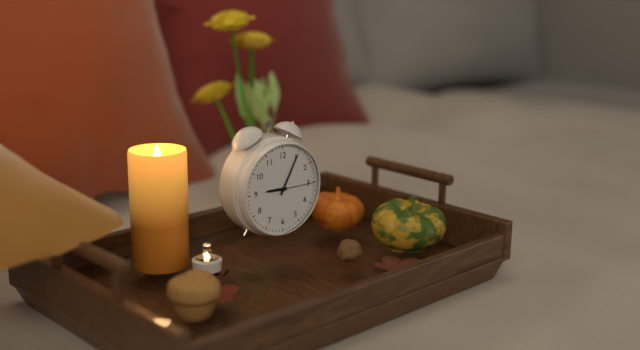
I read 9h05
